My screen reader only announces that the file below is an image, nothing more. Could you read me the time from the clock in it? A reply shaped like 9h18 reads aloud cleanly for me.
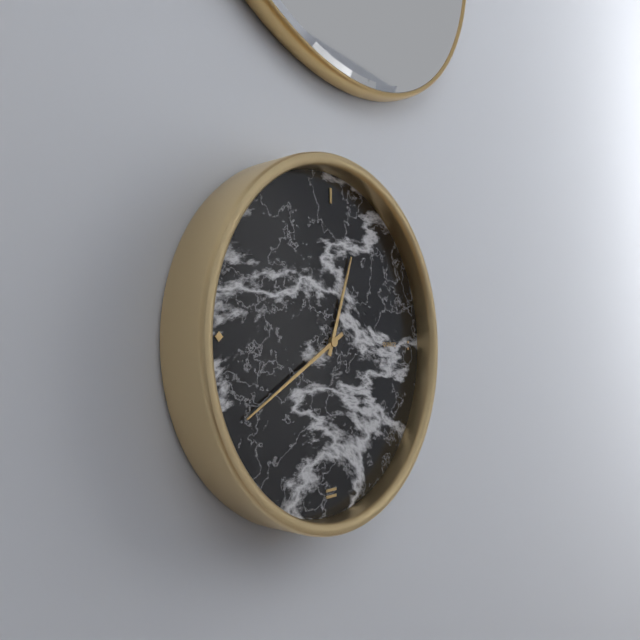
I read 12h40
